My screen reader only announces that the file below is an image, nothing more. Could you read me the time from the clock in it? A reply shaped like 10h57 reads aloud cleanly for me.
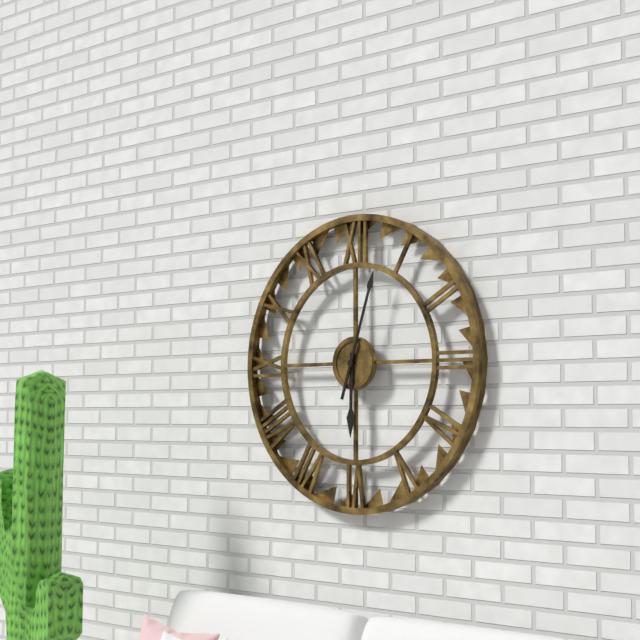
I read 6h03
